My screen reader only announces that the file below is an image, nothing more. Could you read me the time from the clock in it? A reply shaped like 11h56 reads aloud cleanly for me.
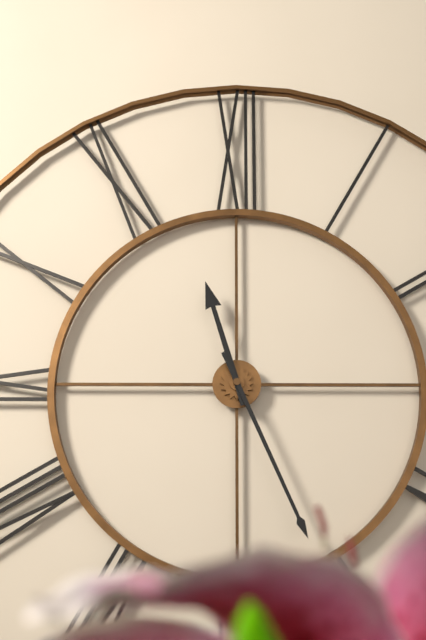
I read 11h26
